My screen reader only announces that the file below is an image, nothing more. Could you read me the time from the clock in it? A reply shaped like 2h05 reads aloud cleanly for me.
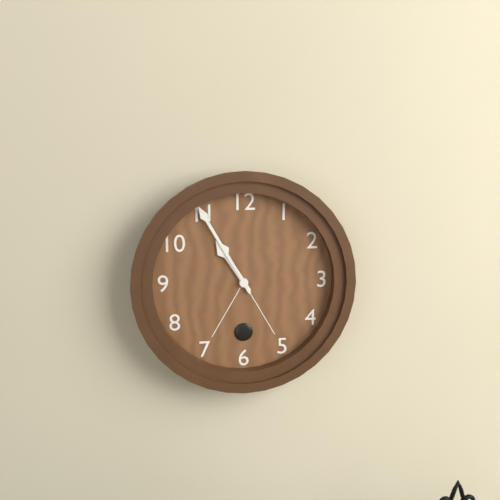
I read 10h55
